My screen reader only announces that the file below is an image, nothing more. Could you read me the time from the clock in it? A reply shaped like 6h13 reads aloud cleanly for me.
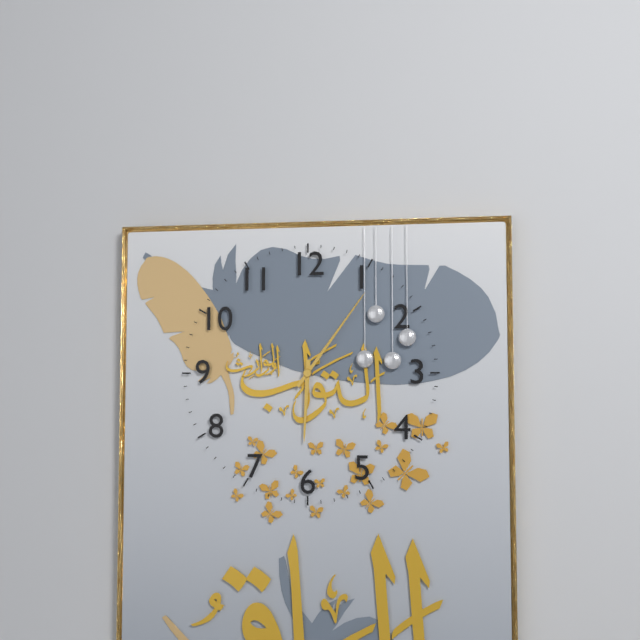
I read 6h06
